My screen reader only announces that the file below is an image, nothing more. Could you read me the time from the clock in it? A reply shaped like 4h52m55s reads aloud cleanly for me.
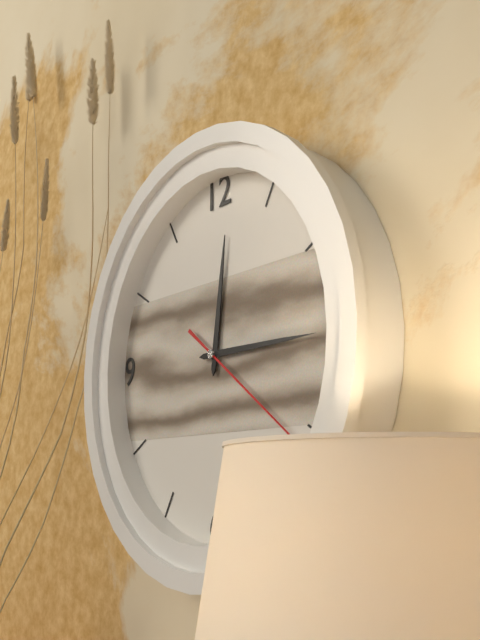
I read 12h15m21s
